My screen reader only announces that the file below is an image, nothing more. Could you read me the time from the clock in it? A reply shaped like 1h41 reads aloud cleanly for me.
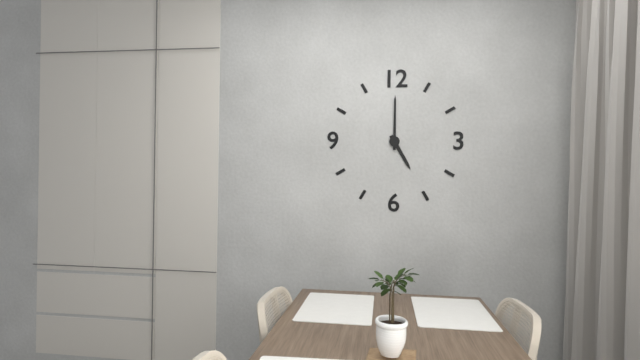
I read 5h00
